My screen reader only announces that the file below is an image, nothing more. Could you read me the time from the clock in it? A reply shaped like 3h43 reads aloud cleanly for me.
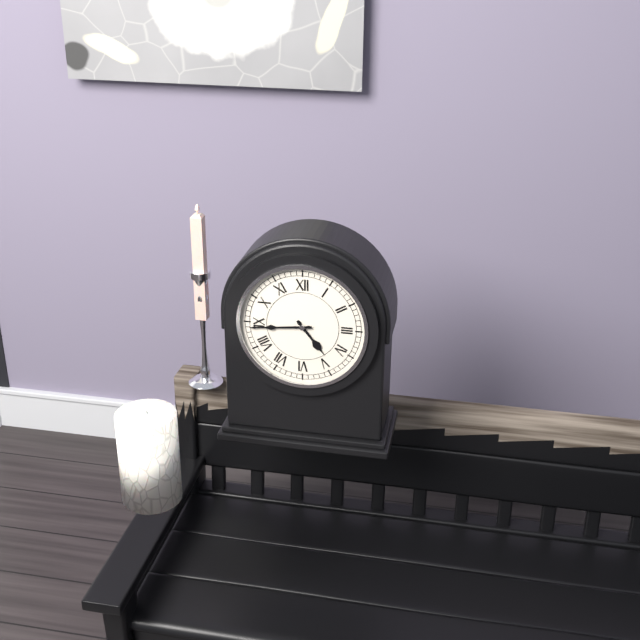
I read 4h44
